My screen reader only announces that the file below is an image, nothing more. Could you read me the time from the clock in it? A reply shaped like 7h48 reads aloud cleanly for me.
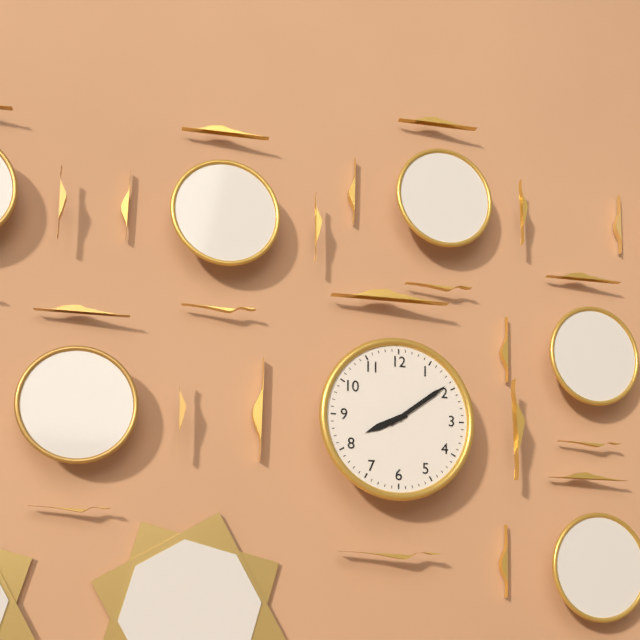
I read 8h09
